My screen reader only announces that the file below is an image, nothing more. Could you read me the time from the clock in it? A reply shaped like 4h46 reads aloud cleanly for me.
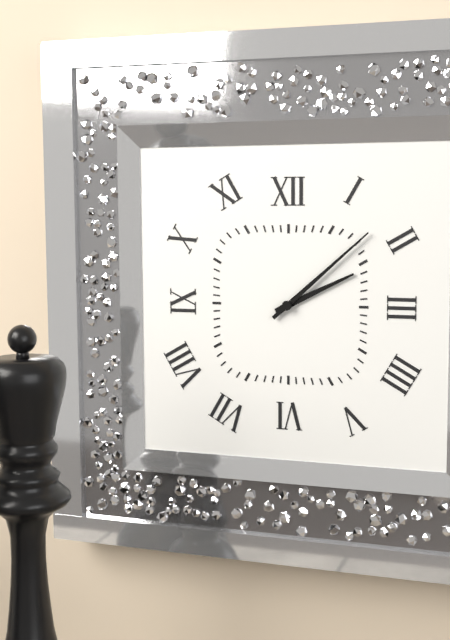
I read 2h08
